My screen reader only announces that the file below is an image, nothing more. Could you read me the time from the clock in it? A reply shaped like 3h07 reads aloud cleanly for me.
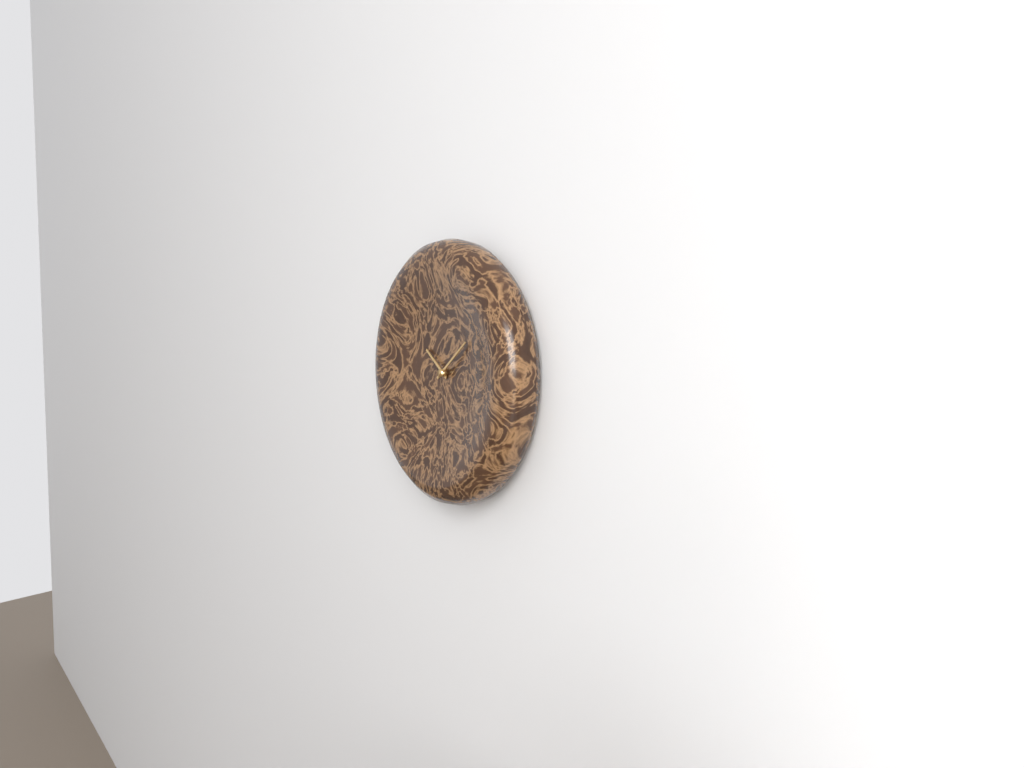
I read 10h09
